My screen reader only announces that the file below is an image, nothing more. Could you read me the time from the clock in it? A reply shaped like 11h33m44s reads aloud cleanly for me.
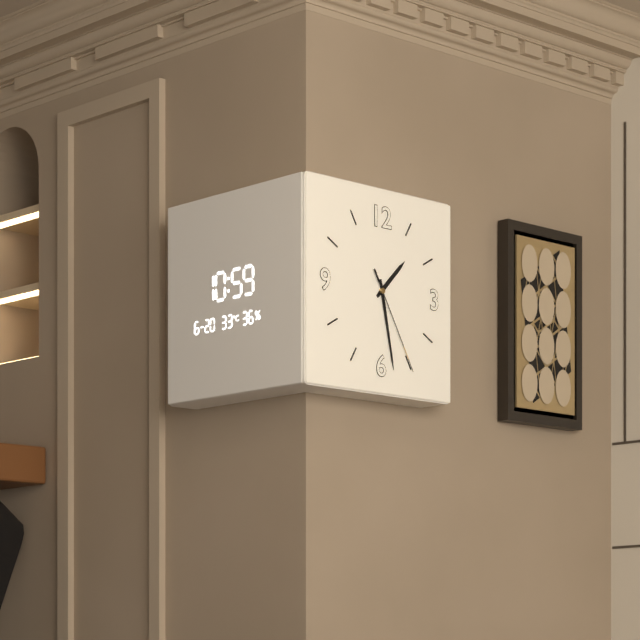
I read 1h28m25s
